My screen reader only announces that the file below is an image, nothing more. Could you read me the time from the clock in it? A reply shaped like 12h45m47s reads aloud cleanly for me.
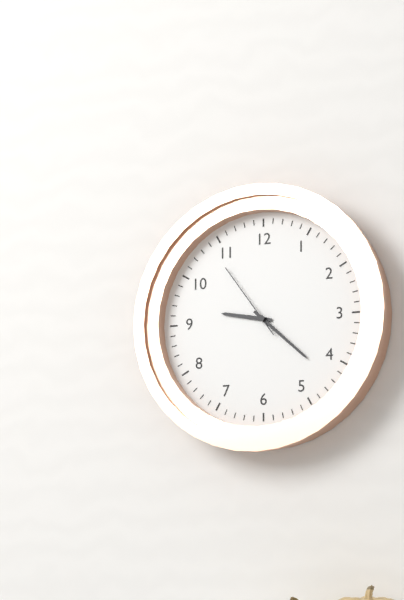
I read 9h22m54s
